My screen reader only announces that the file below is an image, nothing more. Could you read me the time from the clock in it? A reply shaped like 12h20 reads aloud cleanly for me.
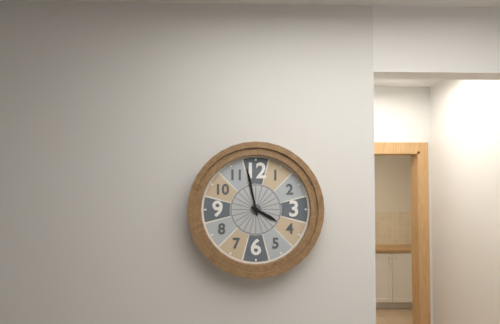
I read 3h58
